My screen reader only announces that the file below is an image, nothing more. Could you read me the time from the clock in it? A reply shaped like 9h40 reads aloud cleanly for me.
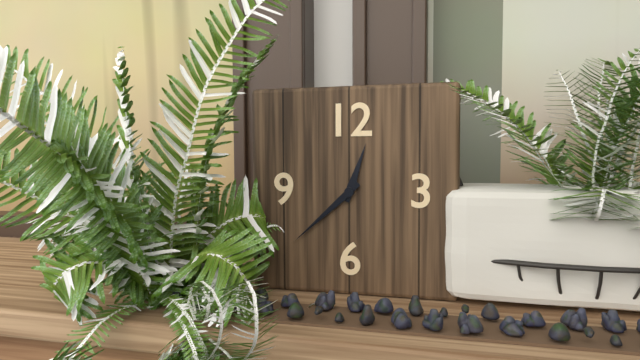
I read 12h38
